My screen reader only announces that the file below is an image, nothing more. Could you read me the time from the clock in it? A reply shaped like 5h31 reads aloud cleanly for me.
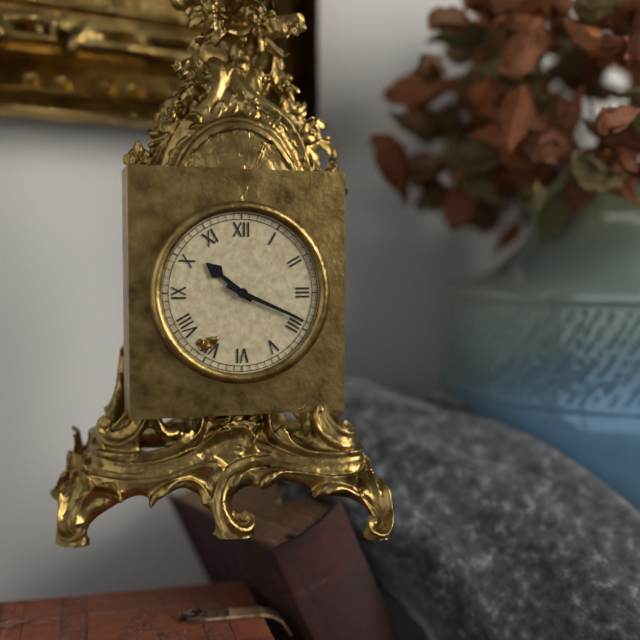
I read 10h19
